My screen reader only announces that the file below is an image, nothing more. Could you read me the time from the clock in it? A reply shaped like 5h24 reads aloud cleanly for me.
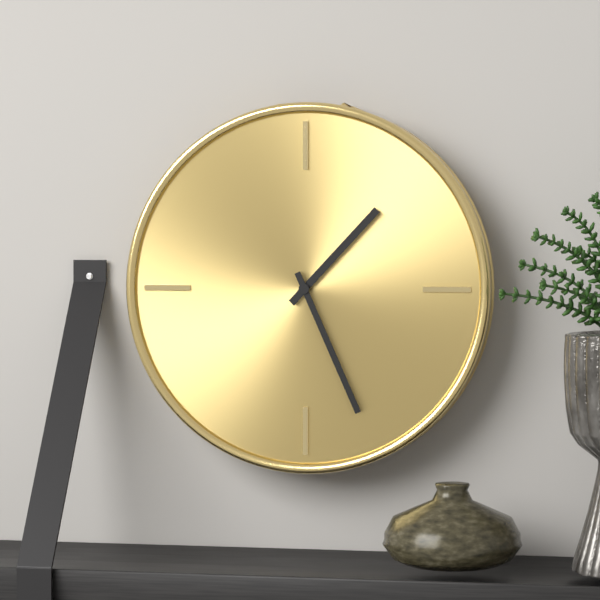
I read 1h26
